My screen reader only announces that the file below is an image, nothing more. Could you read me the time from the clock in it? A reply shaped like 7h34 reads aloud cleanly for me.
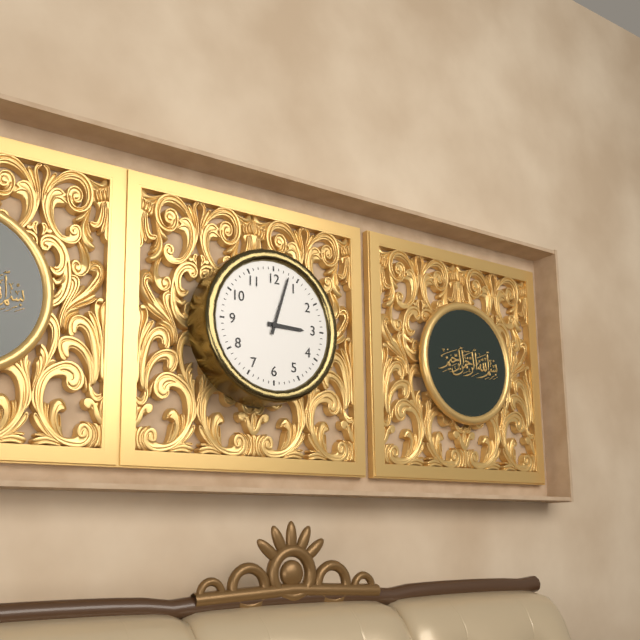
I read 3h03
